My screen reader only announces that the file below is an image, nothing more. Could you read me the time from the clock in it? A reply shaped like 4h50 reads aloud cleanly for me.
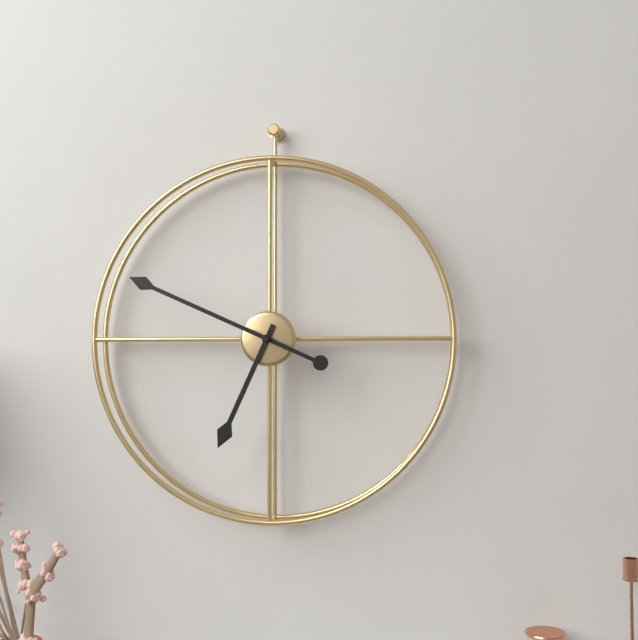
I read 6h49
